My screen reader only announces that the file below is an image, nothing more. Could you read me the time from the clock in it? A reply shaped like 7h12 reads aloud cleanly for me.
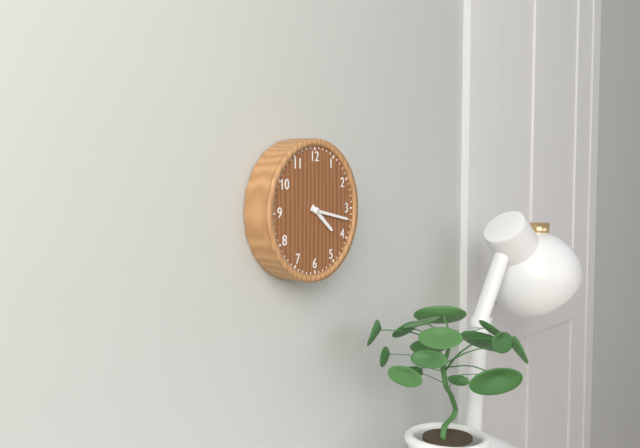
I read 4h17
